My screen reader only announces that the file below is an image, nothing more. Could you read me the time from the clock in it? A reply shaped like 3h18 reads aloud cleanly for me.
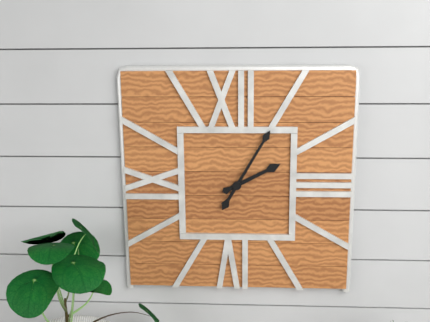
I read 2h05
